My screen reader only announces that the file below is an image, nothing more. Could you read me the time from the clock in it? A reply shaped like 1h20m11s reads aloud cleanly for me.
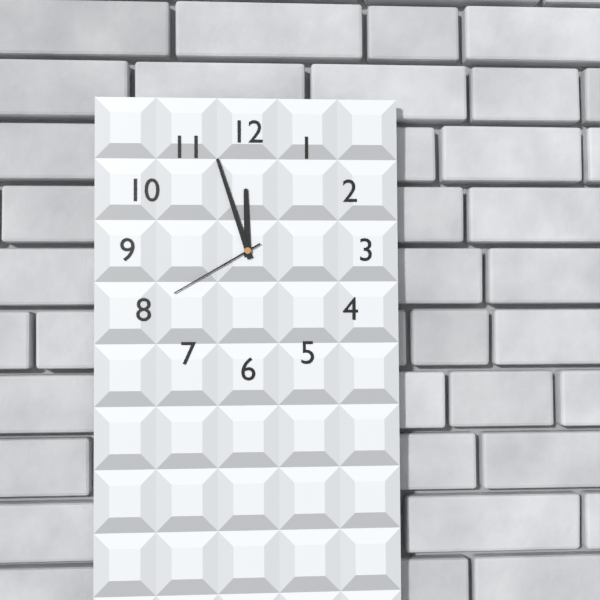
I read 11h57m40s
